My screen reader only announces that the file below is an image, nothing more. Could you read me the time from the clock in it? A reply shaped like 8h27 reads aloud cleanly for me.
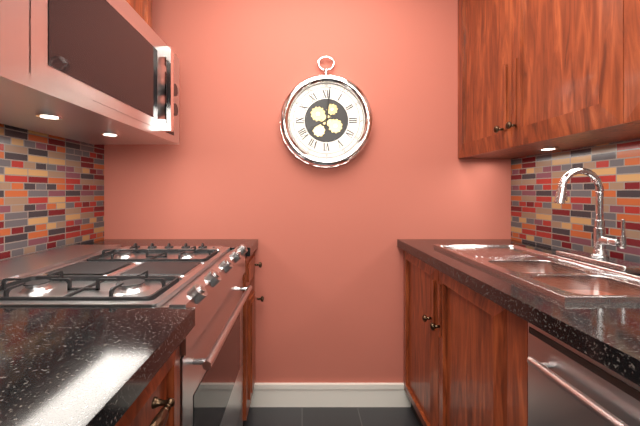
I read 8h01
